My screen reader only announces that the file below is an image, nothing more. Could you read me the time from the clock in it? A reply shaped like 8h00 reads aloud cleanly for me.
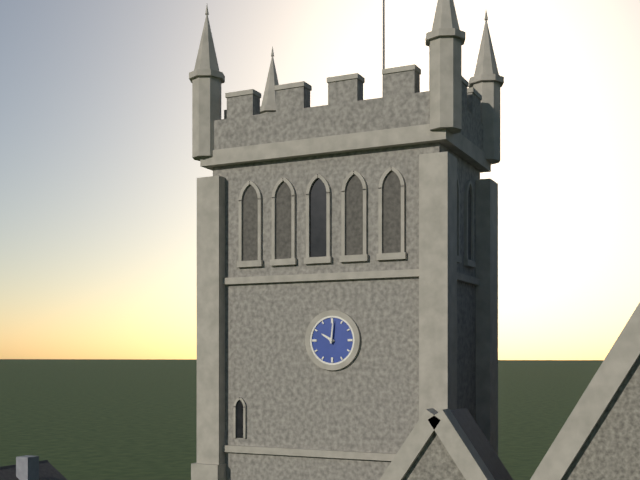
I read 10h01
